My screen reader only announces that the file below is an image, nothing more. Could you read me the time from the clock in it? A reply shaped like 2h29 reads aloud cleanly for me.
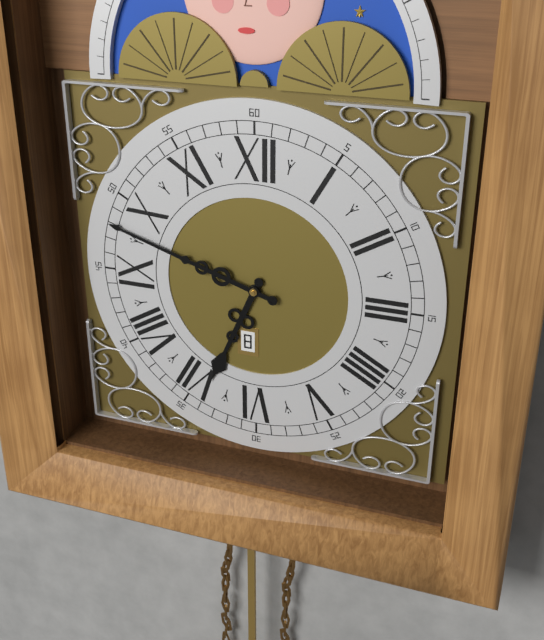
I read 6h48
